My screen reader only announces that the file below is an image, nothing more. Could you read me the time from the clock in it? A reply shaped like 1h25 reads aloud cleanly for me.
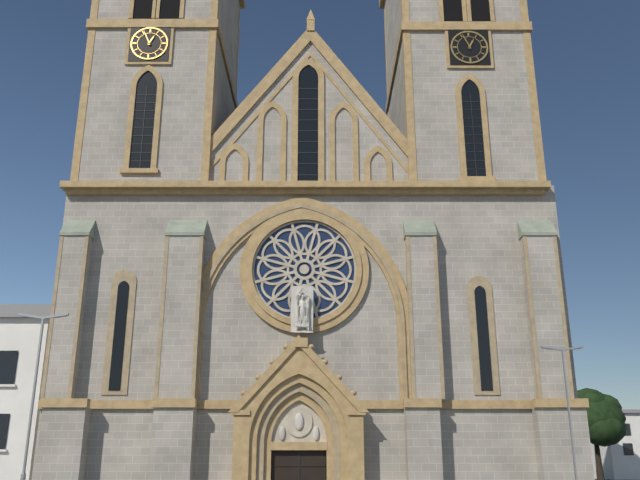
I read 12h56
